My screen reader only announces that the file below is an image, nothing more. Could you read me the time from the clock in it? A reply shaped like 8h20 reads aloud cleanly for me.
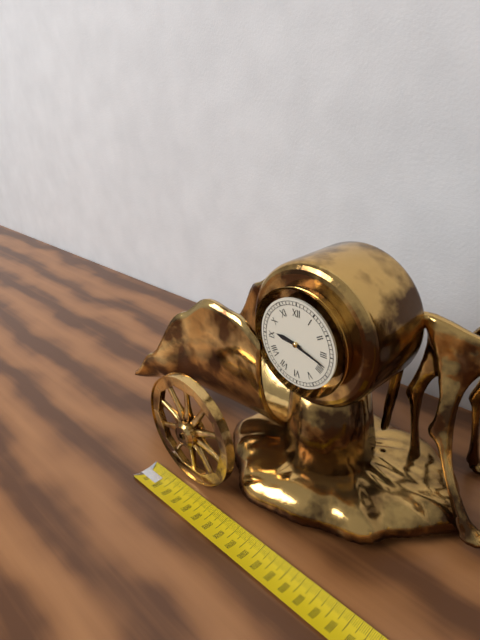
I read 9h18
